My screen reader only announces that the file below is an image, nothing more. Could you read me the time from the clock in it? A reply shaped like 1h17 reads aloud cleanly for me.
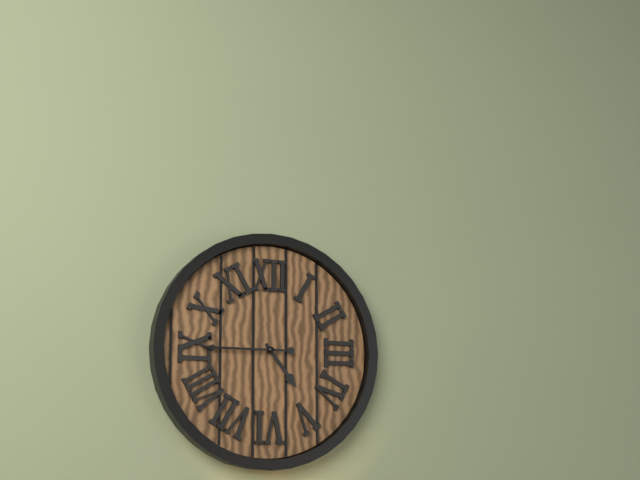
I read 4h45
